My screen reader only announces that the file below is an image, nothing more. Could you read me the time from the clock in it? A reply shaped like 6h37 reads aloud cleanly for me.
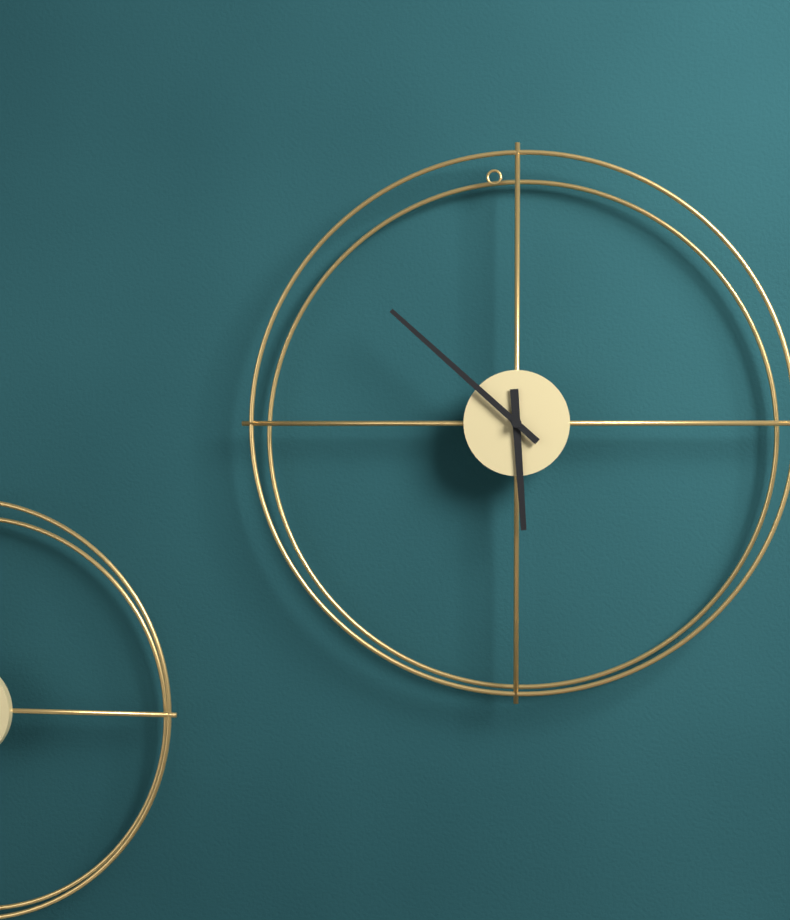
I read 5h52
